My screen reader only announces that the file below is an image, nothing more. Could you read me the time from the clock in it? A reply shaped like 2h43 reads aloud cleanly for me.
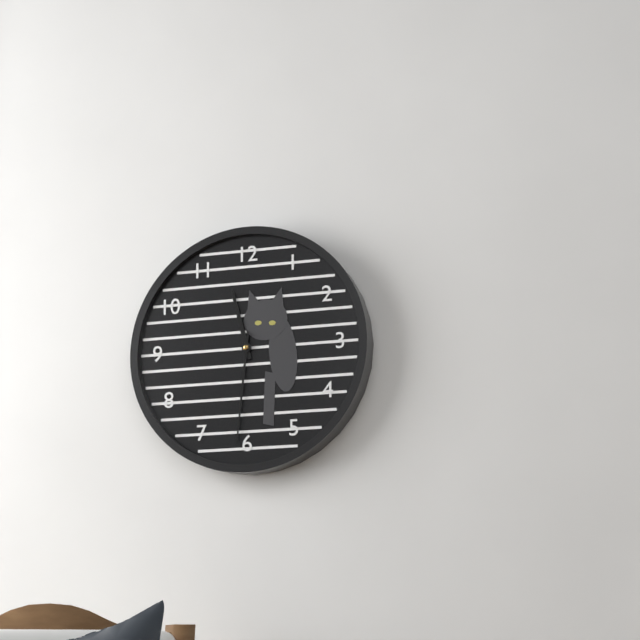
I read 11h31
